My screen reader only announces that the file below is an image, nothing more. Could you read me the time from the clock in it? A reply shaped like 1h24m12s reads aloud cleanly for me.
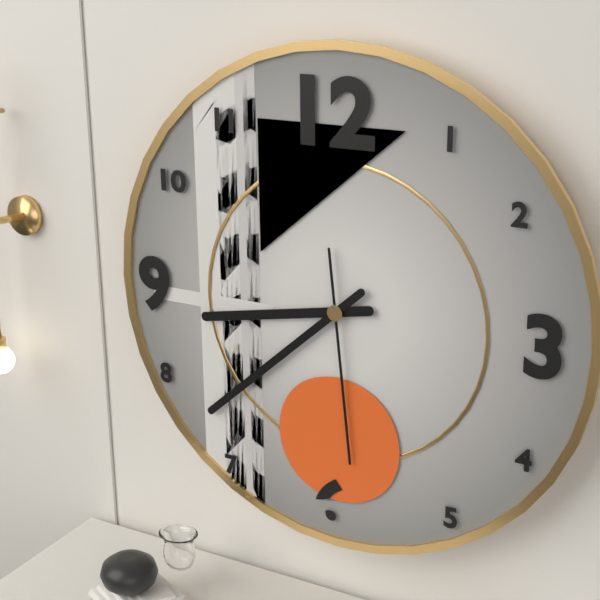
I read 8h38m29s
